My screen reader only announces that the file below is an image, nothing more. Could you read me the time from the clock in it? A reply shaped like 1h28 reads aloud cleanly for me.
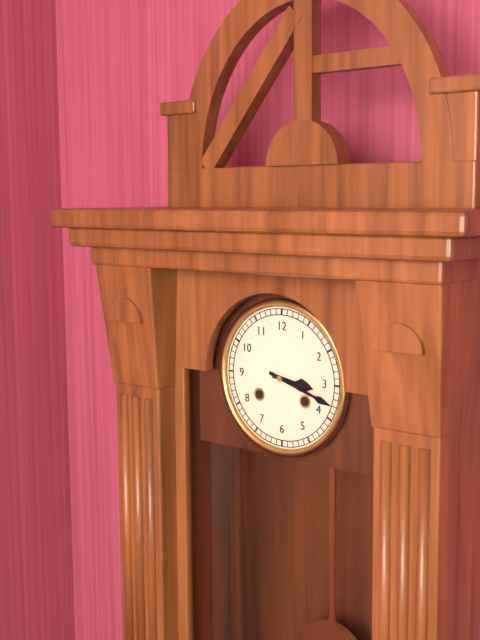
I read 3h18
